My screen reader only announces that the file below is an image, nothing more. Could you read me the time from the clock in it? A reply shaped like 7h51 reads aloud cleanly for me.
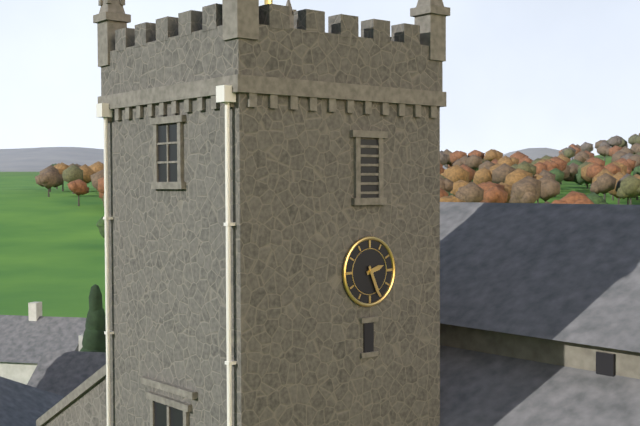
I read 2h26
